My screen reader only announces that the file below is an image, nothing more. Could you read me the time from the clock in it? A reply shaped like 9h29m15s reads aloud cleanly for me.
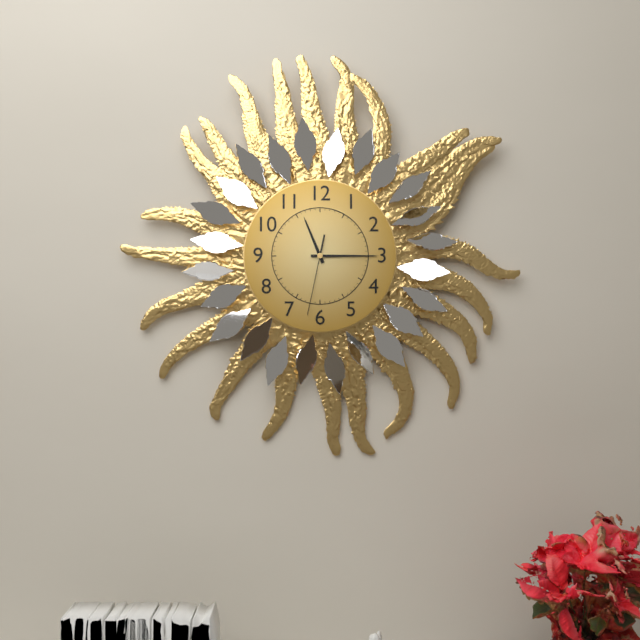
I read 11h15m32s
